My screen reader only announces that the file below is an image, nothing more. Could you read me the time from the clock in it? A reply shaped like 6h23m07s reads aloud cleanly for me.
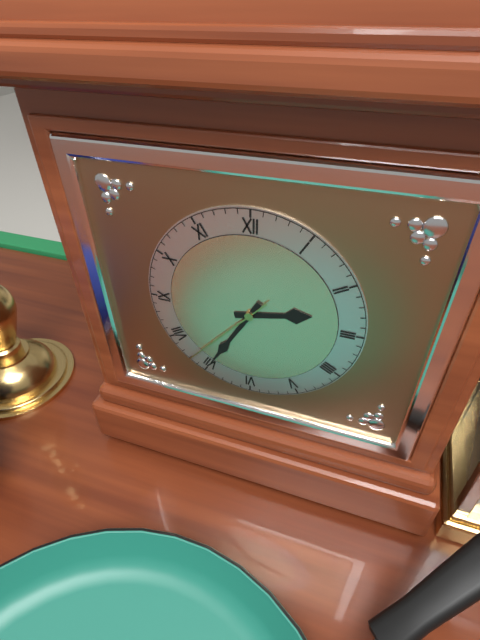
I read 2h35m37s
